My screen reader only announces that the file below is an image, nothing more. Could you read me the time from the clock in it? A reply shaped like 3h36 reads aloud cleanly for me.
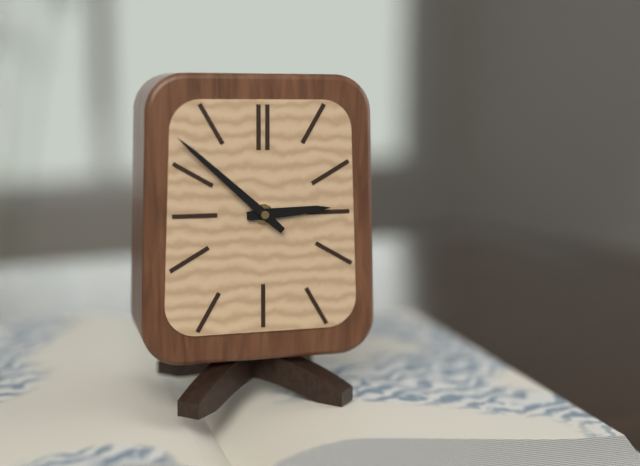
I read 2h52
